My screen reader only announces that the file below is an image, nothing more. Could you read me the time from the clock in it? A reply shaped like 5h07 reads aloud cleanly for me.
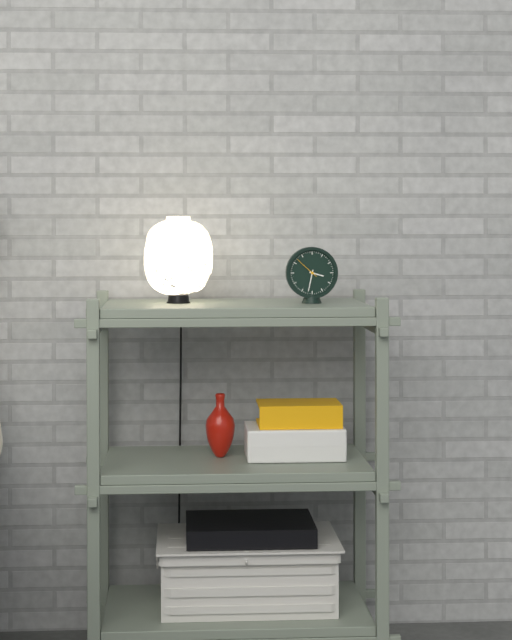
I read 3h32
